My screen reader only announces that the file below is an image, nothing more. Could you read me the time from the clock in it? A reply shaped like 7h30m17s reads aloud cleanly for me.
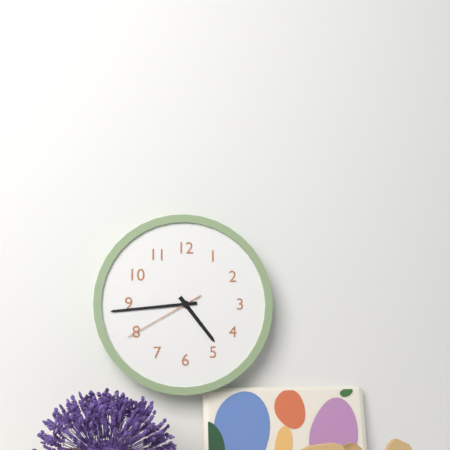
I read 4h44m40s
